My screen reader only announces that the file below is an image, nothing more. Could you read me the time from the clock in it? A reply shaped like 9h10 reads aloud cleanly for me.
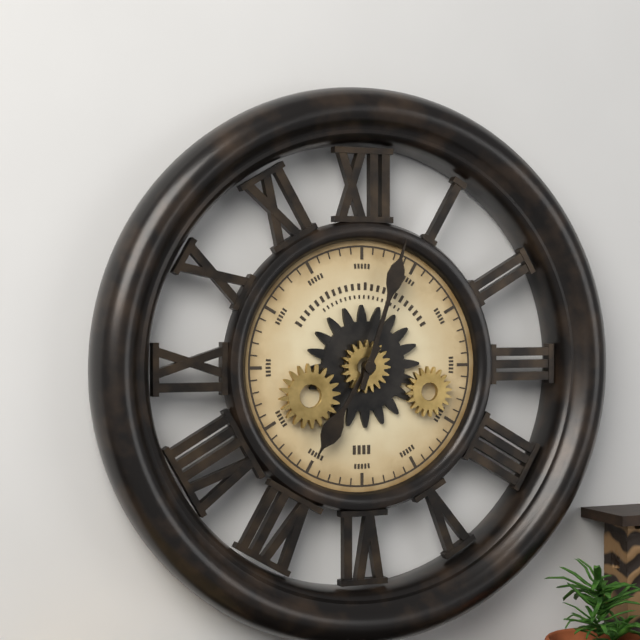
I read 7h03
